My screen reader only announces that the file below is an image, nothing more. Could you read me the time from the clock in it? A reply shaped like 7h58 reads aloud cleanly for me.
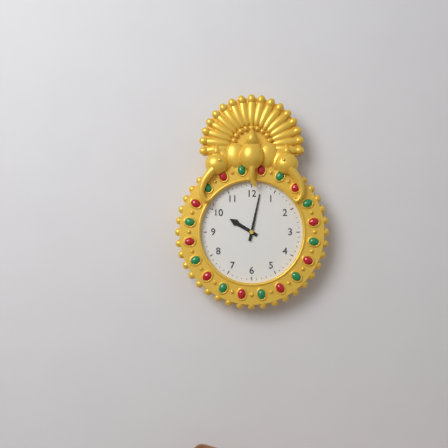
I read 10h02
